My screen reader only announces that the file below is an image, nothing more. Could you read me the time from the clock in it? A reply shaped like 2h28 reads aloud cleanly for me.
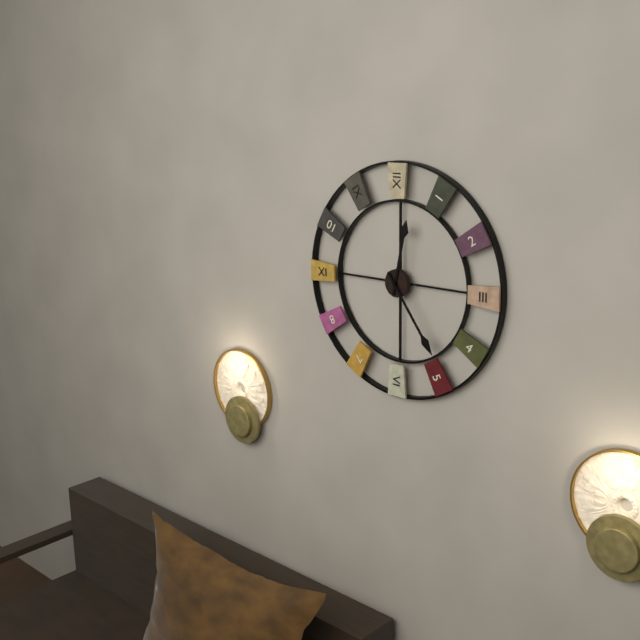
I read 12h24
